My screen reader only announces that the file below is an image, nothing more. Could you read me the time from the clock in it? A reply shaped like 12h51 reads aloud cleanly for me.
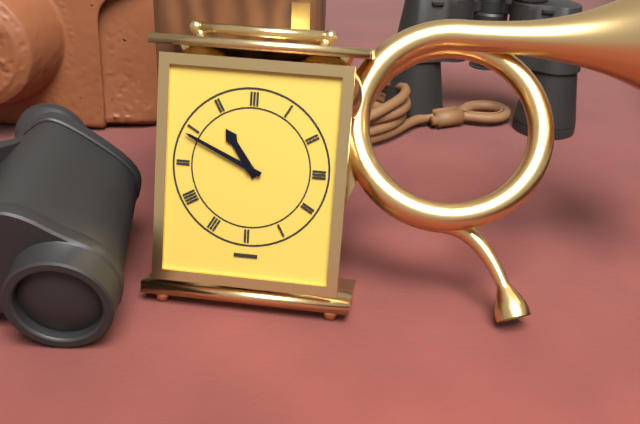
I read 10h49
